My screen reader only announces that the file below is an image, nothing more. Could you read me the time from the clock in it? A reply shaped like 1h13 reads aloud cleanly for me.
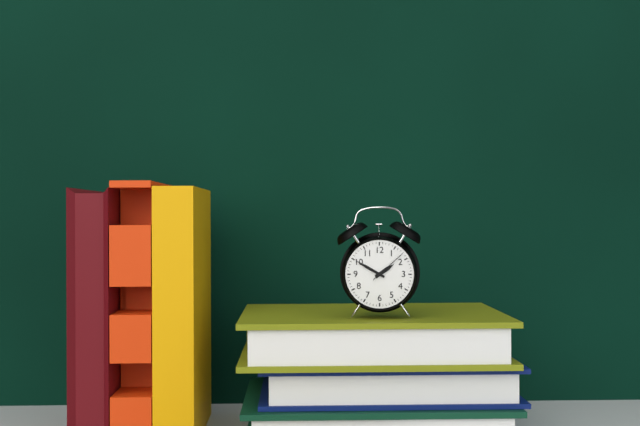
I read 1h50
